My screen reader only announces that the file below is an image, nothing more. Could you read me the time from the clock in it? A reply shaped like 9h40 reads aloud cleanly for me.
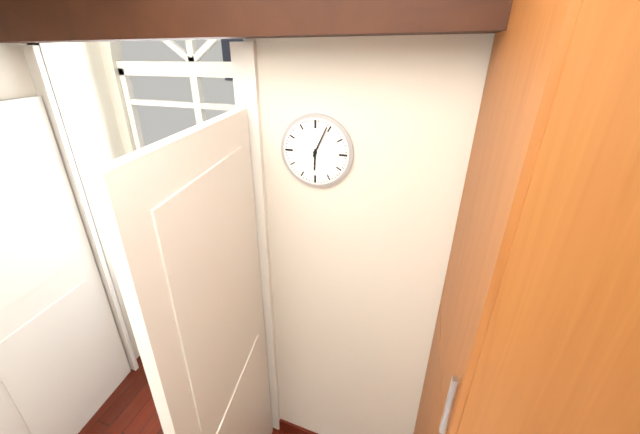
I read 6h04
